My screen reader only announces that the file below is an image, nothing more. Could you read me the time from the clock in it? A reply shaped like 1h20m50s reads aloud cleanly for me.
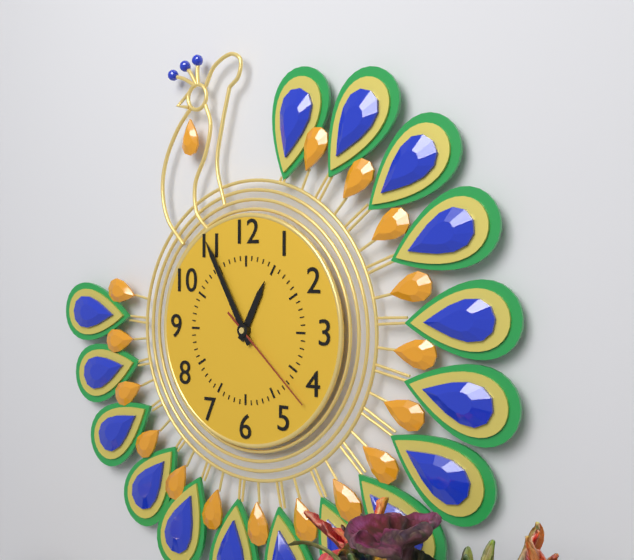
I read 12h55m22s
